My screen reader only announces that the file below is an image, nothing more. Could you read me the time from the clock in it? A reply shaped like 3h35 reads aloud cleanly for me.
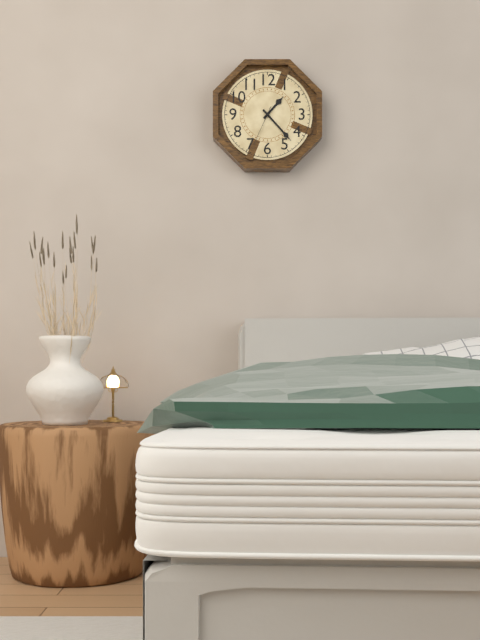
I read 1h23
